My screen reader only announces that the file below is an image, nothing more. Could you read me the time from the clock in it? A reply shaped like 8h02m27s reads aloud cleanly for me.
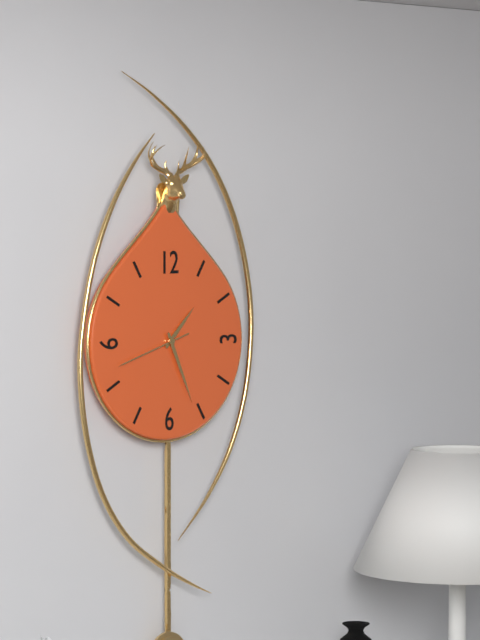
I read 1h26m42s
